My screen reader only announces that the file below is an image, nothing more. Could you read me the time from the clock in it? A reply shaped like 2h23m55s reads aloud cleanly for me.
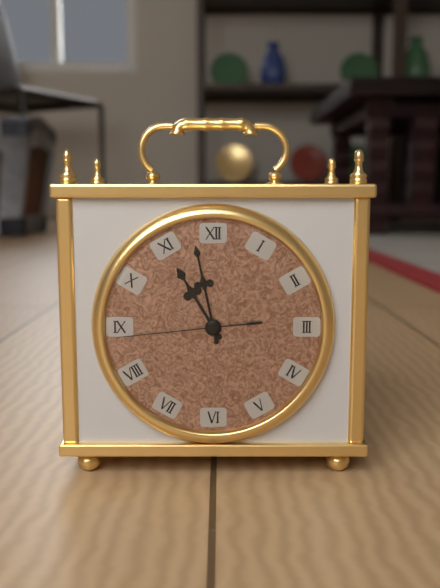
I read 10h58m44s
